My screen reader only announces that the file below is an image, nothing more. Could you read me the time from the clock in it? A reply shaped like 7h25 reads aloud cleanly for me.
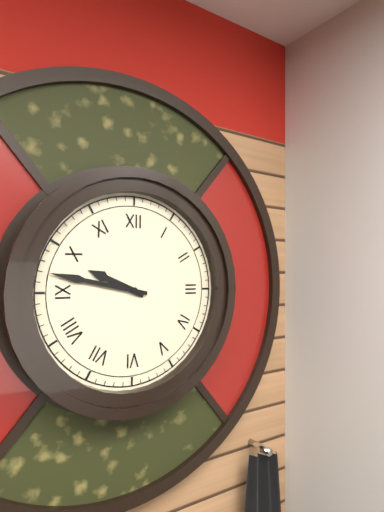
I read 9h47
